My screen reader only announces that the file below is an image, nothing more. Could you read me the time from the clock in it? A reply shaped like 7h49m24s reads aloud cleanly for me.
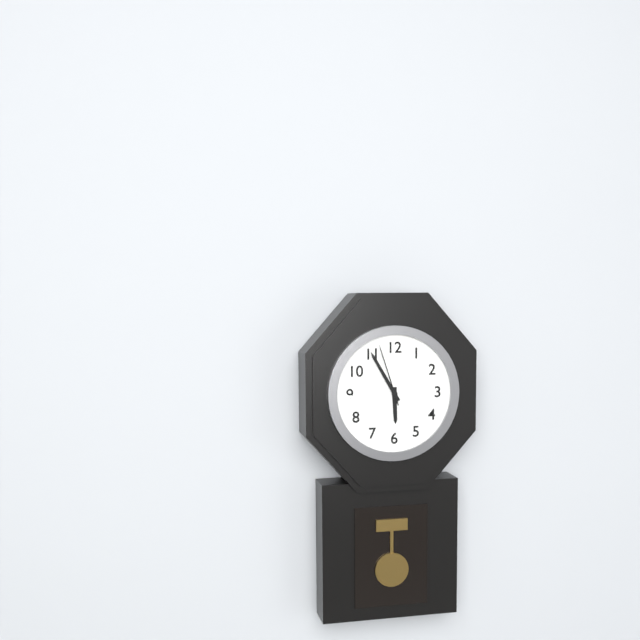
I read 5h55m57s
